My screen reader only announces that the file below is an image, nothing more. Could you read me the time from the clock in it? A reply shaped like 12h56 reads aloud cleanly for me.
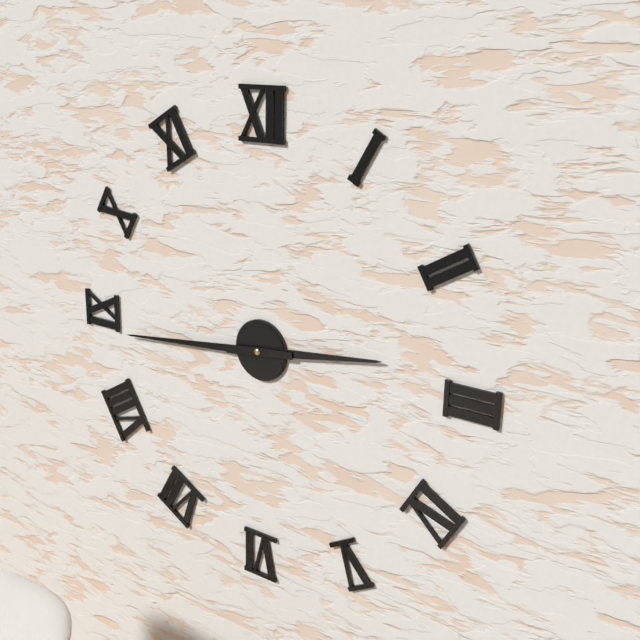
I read 2h44
